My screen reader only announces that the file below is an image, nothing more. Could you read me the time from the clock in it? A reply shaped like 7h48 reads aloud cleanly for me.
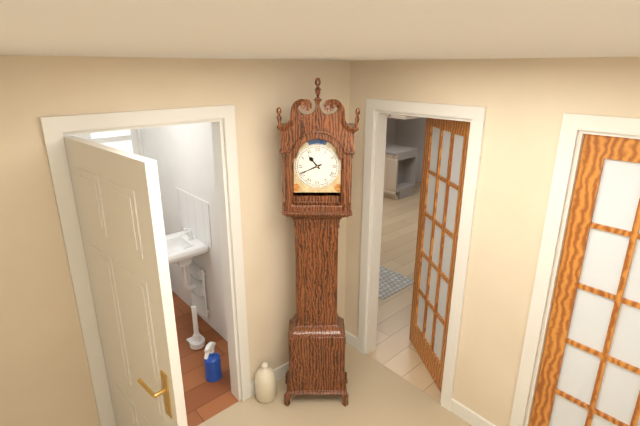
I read 10h41
